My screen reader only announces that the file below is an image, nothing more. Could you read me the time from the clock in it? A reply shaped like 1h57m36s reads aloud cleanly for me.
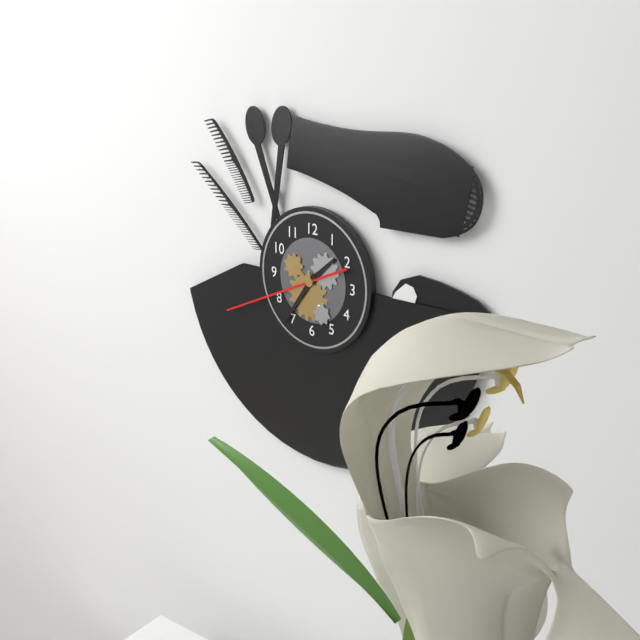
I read 1h36m41s
